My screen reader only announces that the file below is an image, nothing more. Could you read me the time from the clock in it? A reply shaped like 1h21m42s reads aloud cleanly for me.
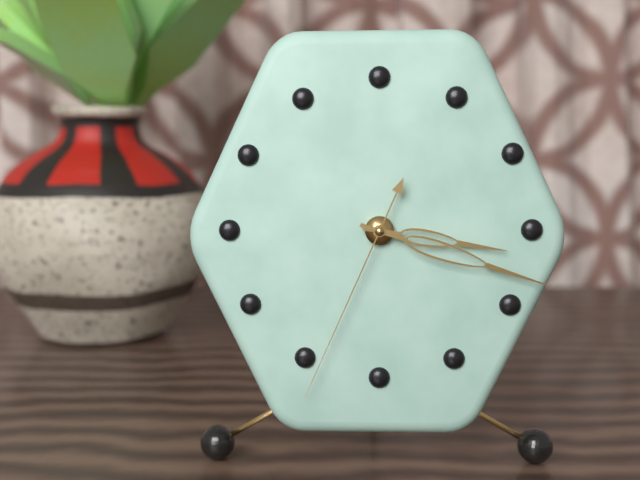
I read 3h18m34s
